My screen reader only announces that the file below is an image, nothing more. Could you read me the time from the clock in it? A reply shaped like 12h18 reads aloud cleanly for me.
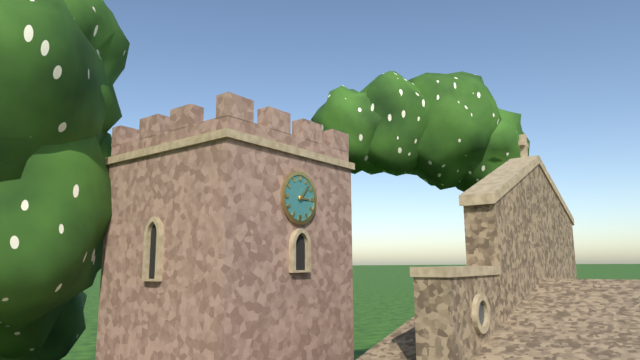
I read 3h07
